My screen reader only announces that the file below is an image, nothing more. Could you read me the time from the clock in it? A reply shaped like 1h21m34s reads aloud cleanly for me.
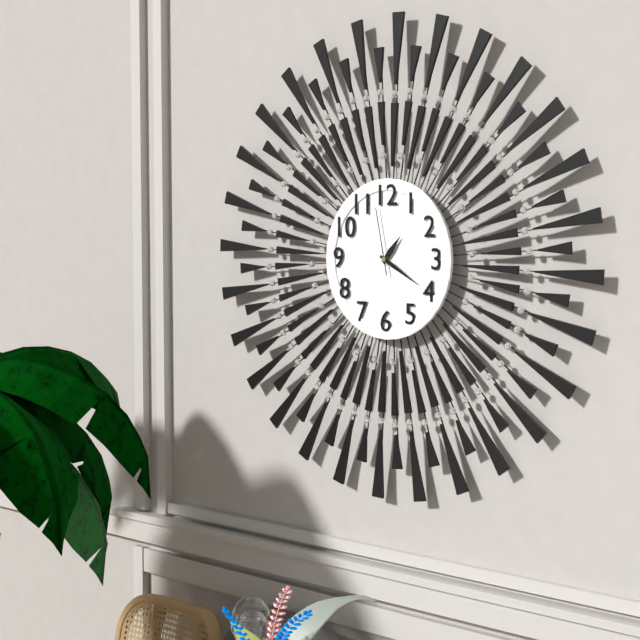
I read 1h20m58s
